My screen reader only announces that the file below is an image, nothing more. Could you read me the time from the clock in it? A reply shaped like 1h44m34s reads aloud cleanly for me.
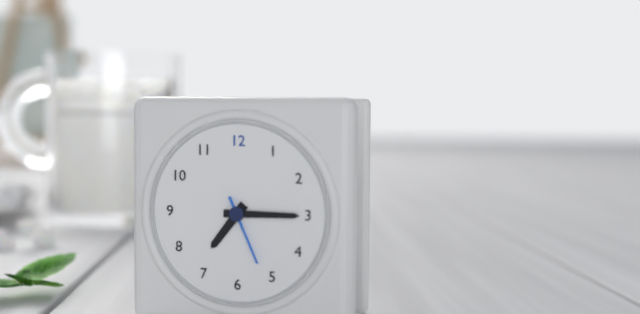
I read 7h15m26s
